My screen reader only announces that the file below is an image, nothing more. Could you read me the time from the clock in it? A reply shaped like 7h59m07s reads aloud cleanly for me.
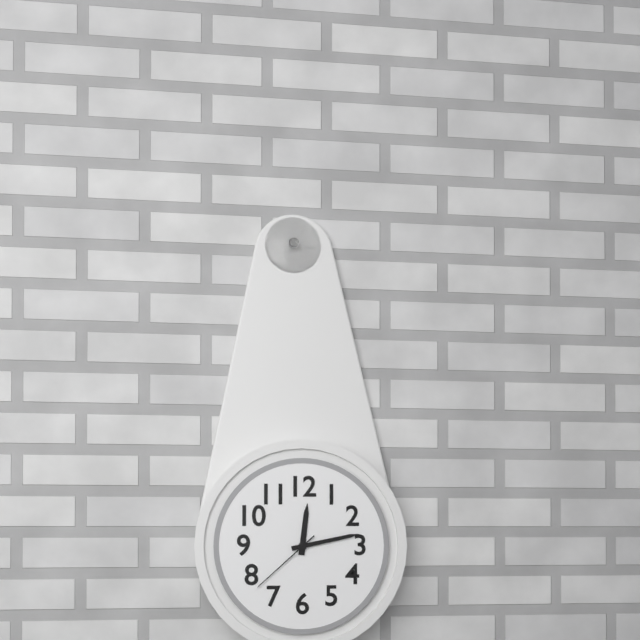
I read 12h13m38s
